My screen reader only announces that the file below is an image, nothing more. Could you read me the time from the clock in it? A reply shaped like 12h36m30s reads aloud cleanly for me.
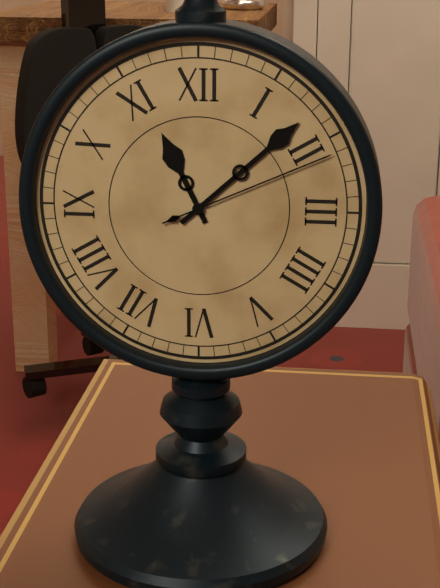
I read 11h08m11s
